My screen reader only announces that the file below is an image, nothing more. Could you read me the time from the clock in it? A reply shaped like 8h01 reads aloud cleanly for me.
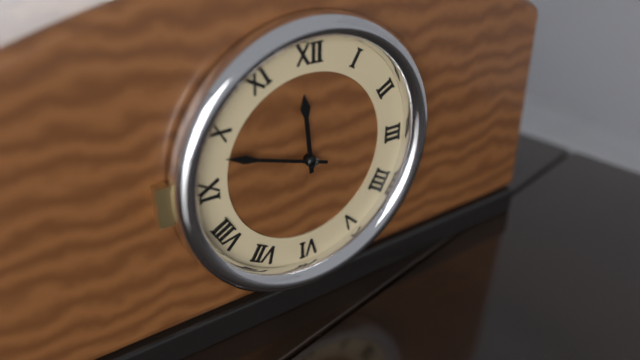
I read 11h48
